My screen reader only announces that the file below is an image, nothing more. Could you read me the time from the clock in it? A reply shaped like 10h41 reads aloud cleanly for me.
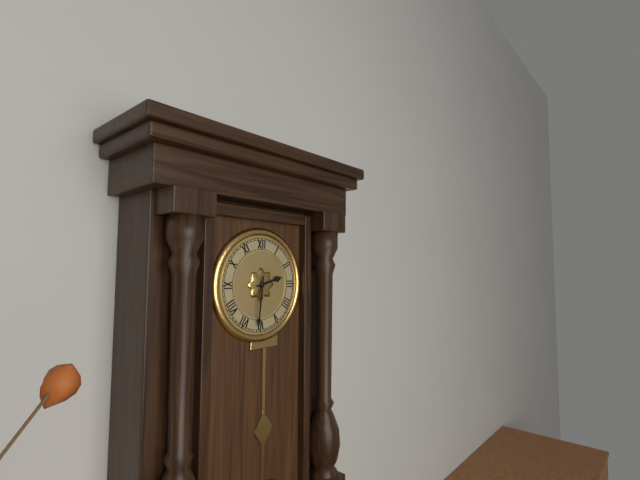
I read 2h31
